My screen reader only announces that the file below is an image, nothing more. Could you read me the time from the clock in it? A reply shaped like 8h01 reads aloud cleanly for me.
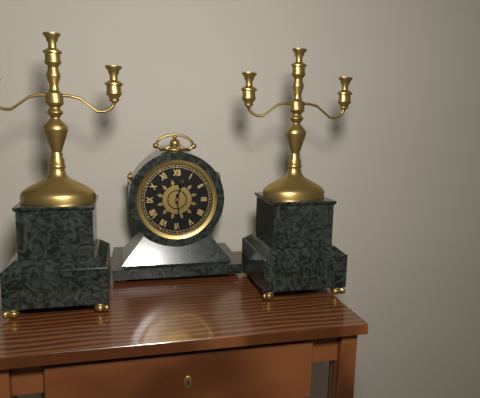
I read 12h29
